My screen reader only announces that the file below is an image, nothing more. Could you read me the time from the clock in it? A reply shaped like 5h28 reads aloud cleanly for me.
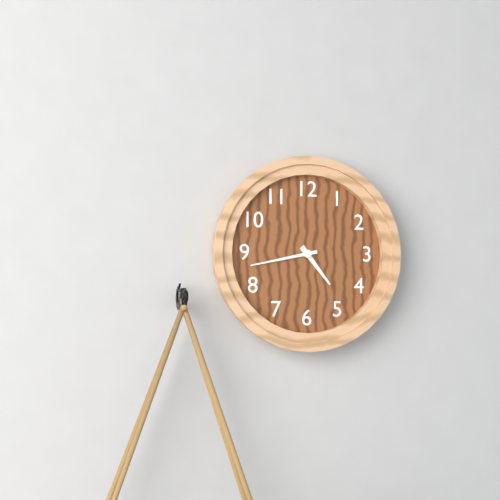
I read 4h43
